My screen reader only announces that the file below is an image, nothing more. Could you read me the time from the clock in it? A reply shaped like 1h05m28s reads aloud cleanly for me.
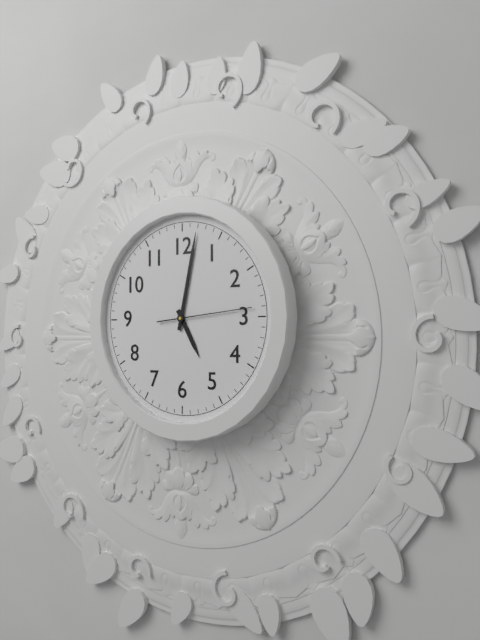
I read 5h02m14s
